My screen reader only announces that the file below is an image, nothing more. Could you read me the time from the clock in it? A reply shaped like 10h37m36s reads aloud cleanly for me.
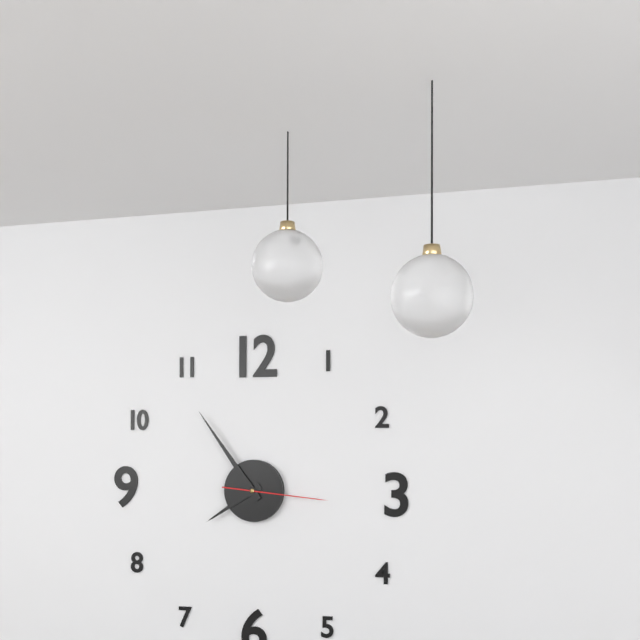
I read 7h54m16s
